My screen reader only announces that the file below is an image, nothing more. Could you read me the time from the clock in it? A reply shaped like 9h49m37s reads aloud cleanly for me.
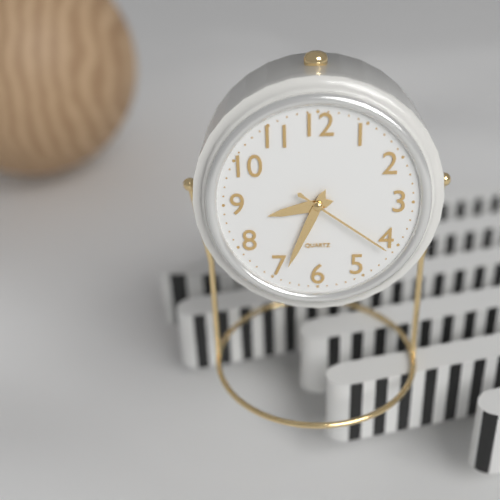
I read 8h34m21s
